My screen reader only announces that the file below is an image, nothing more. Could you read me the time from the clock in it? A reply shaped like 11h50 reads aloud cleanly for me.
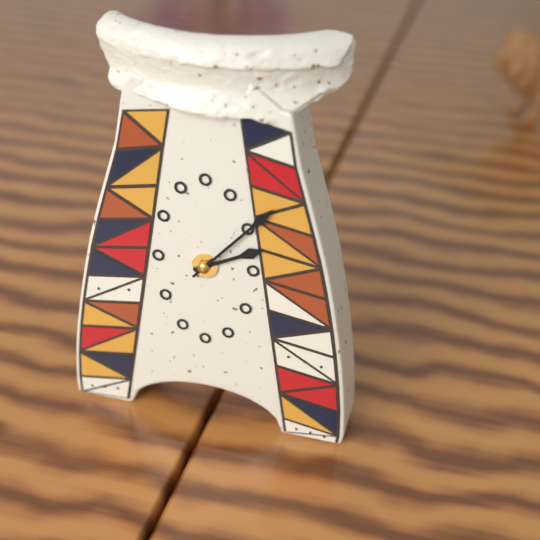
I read 2h07
